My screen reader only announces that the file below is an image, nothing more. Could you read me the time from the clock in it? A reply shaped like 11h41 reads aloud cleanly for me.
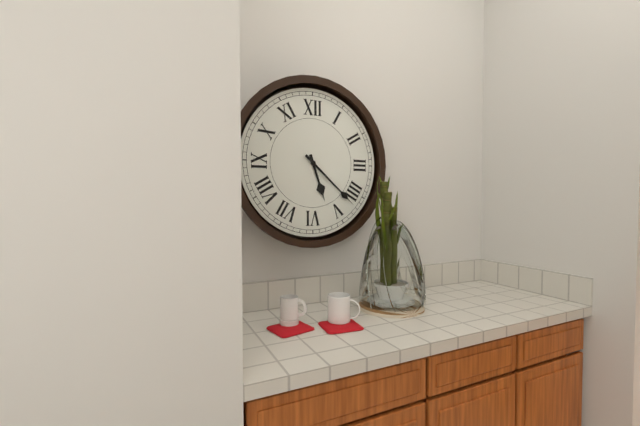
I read 5h22
